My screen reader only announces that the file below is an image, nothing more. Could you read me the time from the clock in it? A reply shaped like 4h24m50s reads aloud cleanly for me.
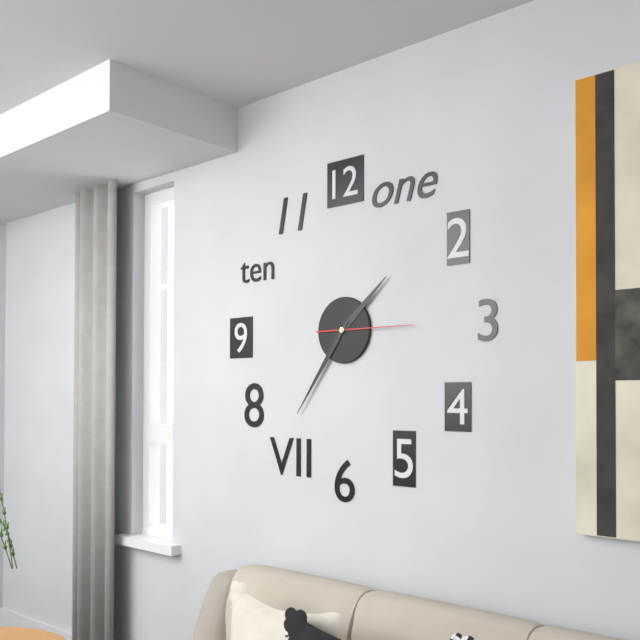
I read 1h36m15s
